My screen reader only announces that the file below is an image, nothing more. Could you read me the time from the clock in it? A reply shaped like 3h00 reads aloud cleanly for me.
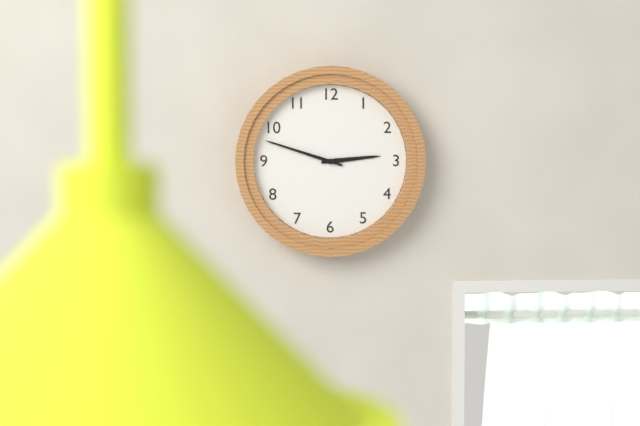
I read 2h48
